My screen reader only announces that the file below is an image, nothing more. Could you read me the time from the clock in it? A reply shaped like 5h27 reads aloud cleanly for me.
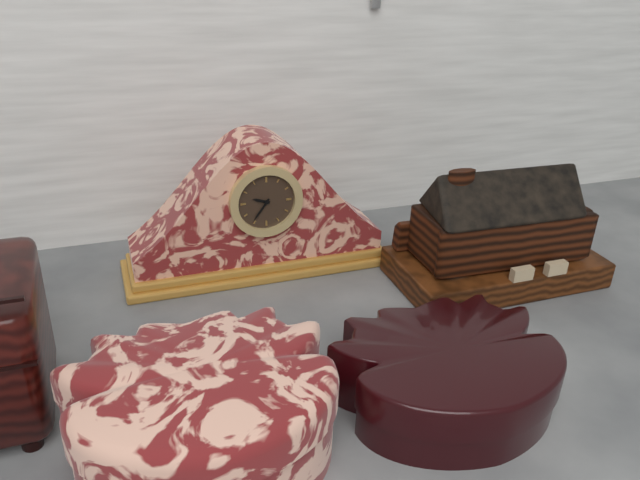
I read 9h36
